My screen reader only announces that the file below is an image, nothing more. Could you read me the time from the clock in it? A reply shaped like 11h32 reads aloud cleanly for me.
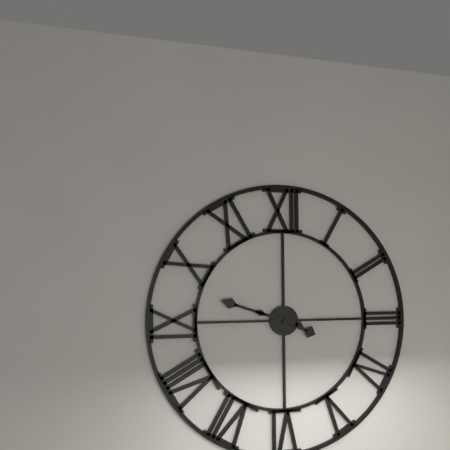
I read 3h48
